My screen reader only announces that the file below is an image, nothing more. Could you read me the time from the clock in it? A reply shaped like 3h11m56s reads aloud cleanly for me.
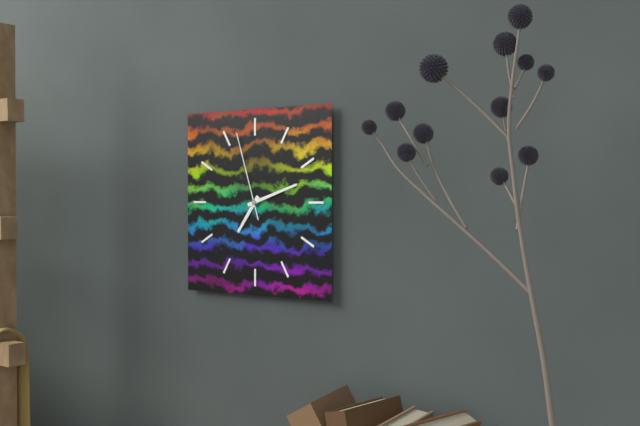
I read 7h12m57s
